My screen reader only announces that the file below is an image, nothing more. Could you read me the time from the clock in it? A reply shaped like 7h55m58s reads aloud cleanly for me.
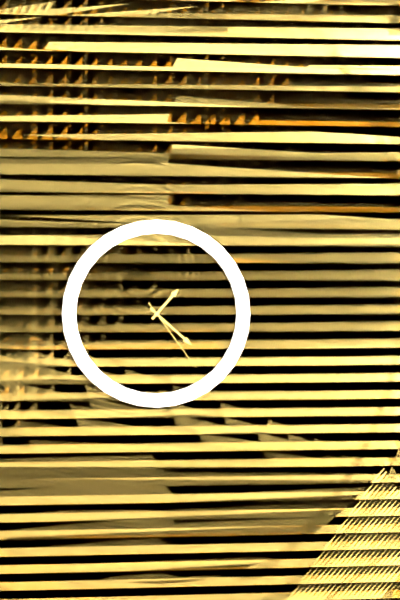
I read 1h22m24s
